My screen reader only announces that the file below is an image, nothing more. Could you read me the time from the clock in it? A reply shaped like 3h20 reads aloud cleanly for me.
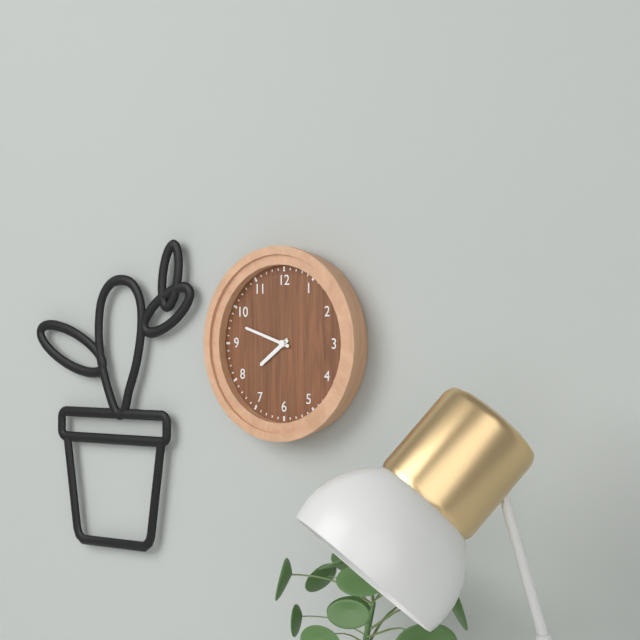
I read 7h48
